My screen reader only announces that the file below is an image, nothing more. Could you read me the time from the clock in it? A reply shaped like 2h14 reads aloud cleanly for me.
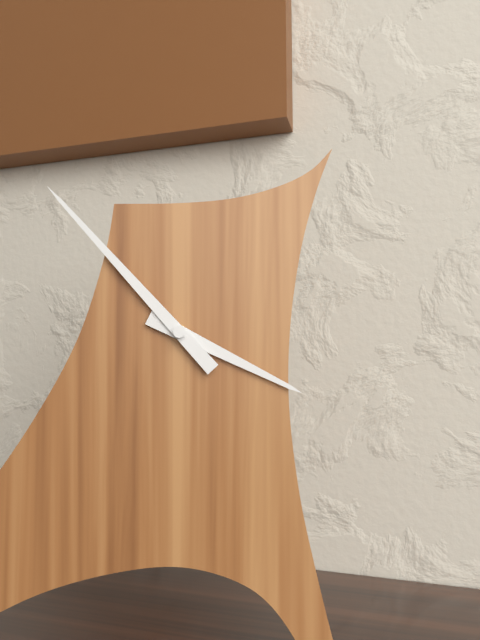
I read 3h53
